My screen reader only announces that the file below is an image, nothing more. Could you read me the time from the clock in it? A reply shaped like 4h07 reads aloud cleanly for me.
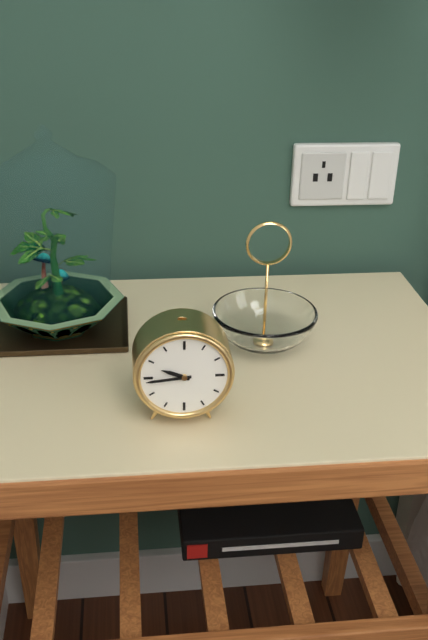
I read 9h44
